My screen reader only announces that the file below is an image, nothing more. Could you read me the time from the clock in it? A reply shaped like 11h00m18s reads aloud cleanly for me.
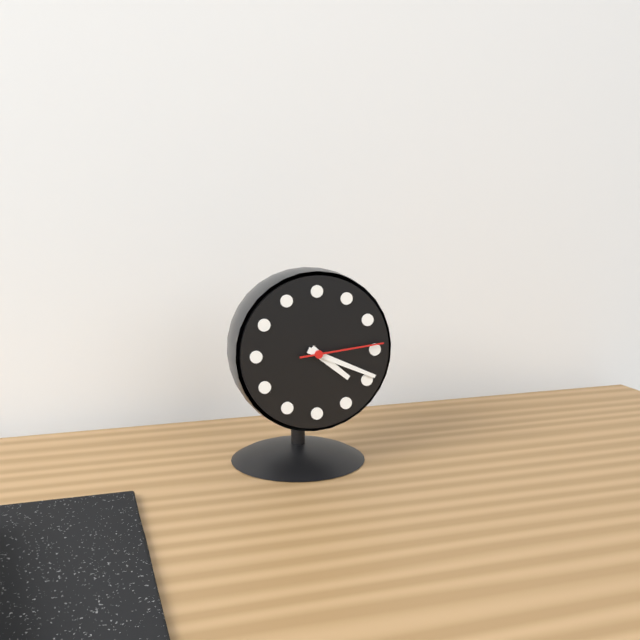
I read 4h19m14s
